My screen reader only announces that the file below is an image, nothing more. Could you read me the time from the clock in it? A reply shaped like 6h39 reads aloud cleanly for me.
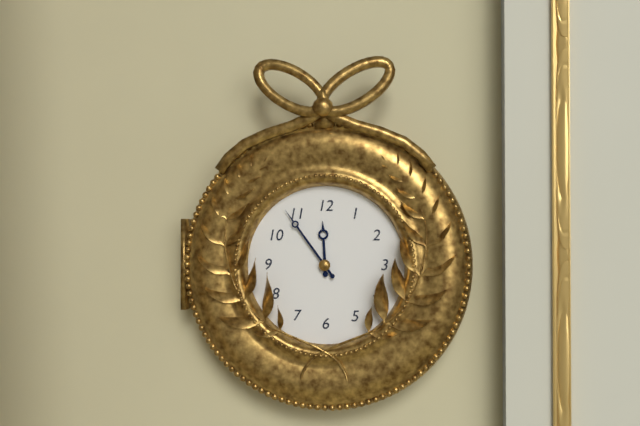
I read 11h54
